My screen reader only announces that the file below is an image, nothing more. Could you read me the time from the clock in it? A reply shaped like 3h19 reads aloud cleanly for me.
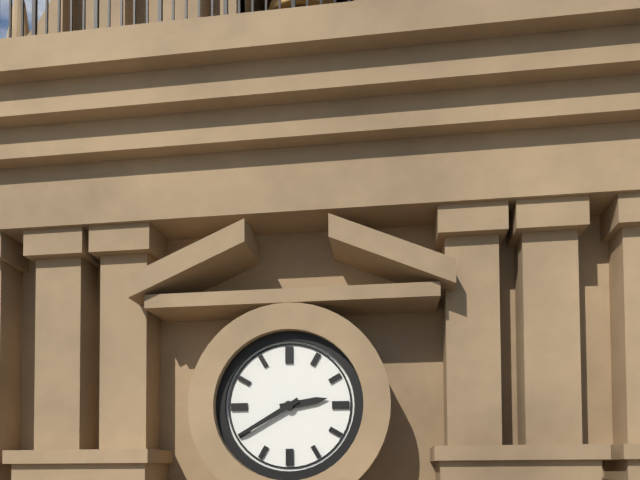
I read 2h40
